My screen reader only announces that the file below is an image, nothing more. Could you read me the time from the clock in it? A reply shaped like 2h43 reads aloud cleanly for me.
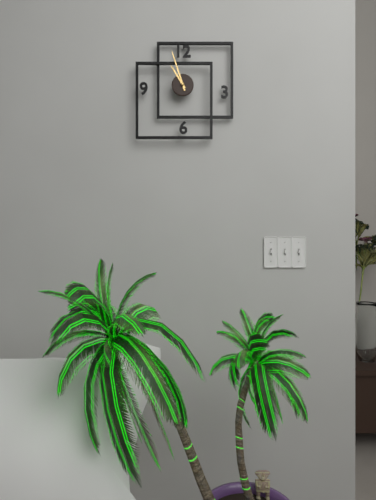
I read 10h57
